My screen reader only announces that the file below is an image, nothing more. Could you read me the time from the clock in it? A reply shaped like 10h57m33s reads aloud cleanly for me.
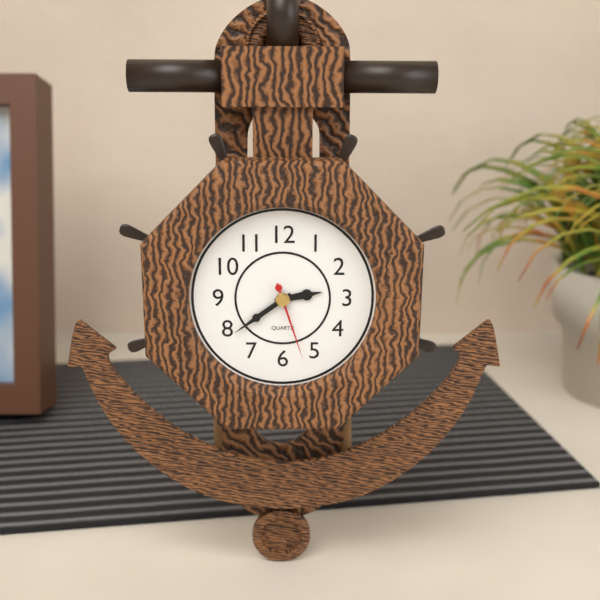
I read 2h39m27s
